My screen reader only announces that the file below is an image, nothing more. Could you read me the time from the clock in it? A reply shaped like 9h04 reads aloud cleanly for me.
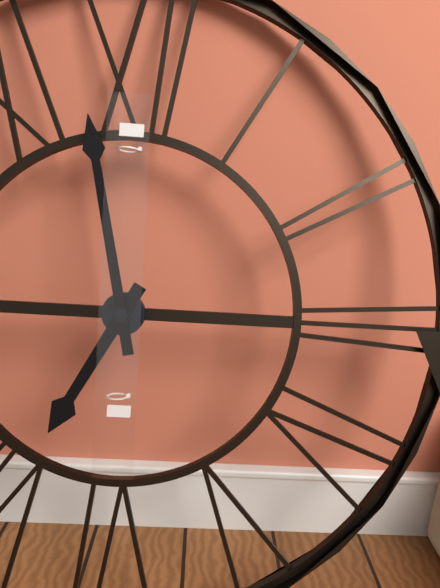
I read 6h58
